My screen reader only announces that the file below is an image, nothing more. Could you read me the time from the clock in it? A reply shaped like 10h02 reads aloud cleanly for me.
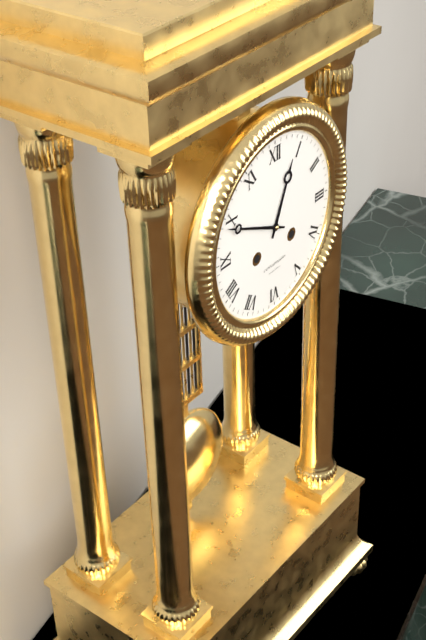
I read 12h49
